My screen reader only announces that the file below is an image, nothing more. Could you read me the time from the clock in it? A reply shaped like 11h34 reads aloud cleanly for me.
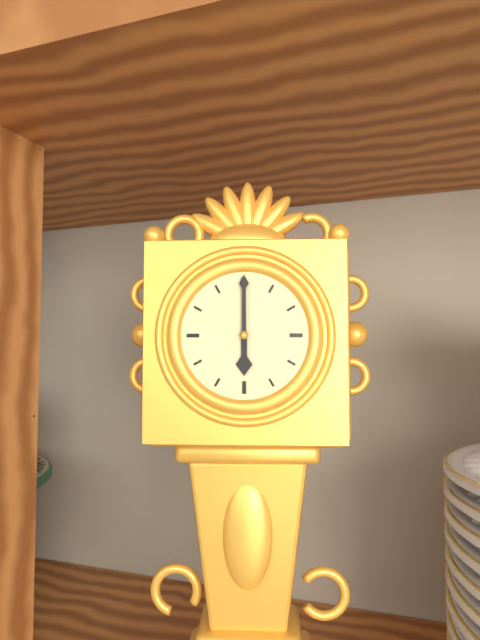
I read 6h00
